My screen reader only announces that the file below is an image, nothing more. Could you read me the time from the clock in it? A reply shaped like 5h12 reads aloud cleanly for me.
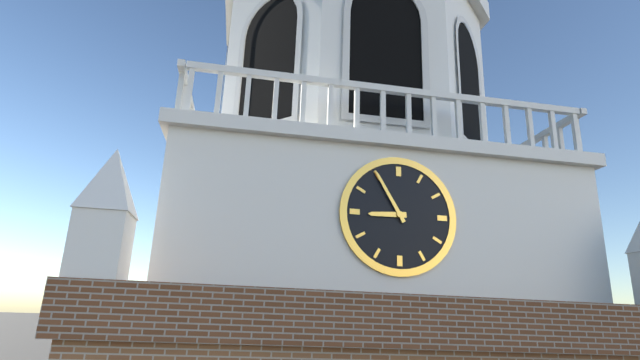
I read 8h55
